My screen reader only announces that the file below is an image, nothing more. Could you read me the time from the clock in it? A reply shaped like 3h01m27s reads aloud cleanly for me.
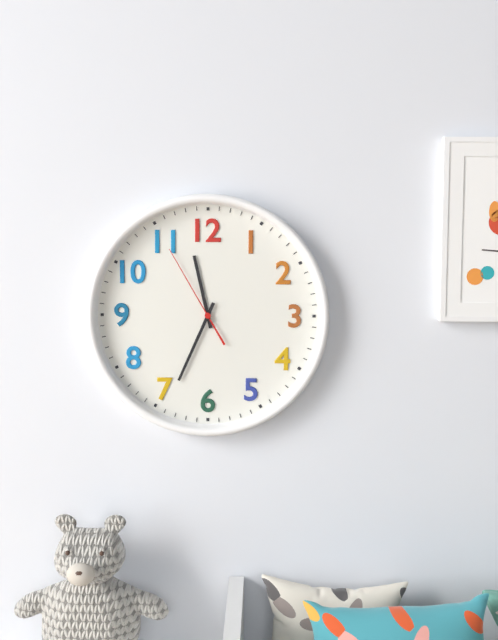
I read 11h34m55s
